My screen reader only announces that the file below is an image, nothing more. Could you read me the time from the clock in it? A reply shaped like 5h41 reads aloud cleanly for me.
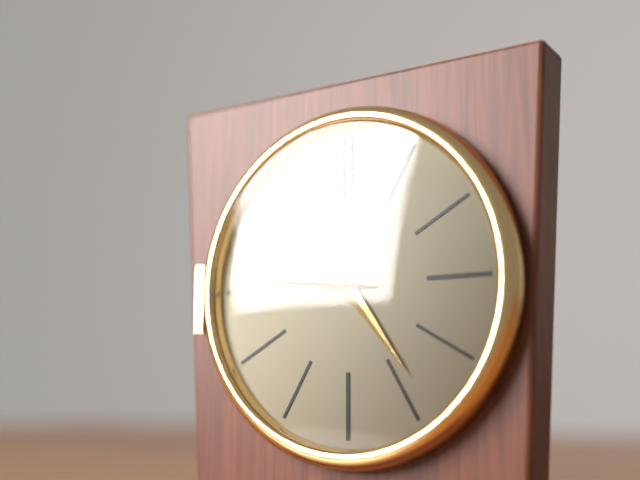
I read 4h46
